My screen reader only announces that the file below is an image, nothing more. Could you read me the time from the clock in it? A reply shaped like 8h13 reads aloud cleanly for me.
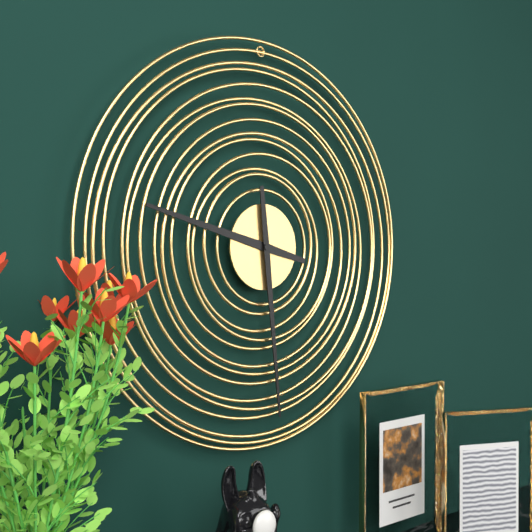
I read 9h29
